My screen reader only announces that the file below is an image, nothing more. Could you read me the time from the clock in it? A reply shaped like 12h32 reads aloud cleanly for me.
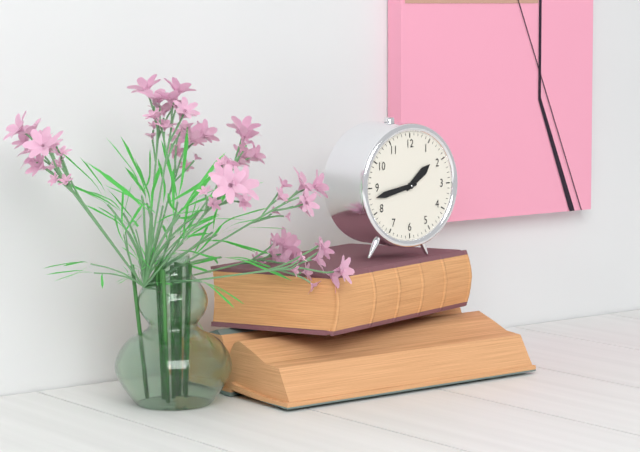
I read 1h43
